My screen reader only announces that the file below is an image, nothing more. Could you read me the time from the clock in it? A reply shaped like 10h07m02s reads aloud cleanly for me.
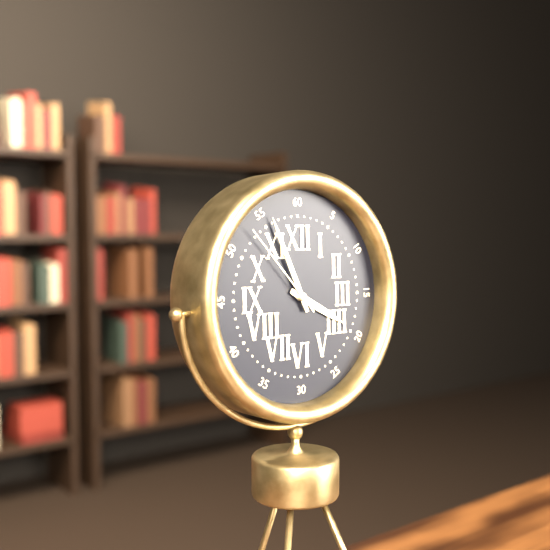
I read 3h56m53s
